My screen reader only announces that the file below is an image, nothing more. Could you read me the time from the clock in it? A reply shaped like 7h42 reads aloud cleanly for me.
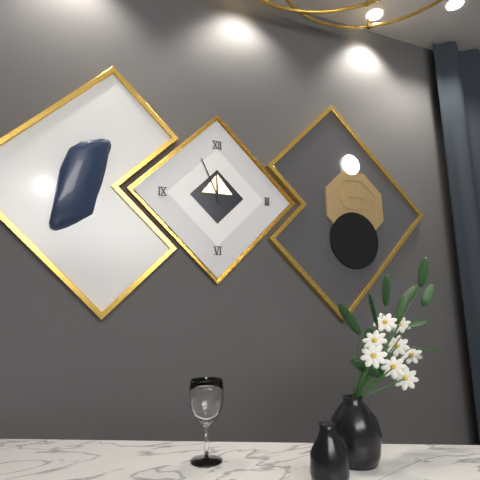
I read 11h56
